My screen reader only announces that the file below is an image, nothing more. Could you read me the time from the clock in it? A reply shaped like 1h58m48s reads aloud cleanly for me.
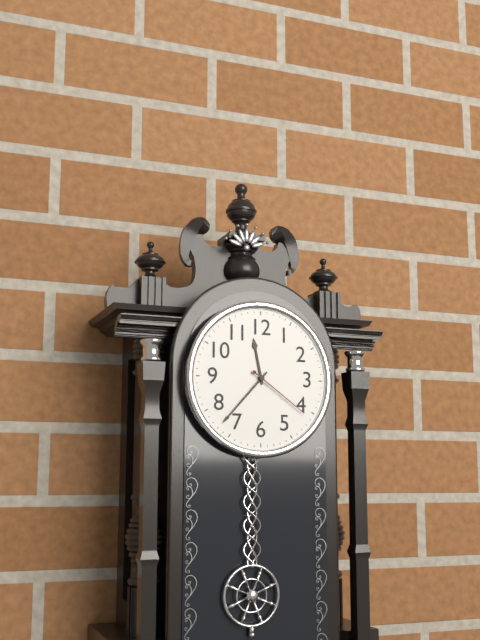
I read 11h37m21s
